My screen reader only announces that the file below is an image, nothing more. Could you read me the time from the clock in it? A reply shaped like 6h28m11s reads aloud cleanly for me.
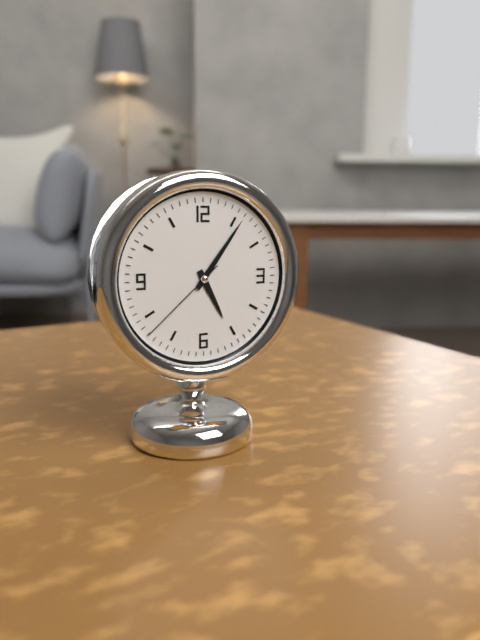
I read 5h06m38s
